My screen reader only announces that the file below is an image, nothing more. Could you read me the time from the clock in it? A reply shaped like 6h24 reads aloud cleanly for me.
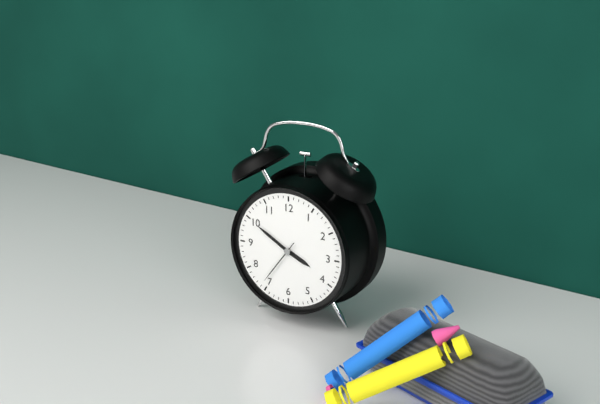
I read 3h50
